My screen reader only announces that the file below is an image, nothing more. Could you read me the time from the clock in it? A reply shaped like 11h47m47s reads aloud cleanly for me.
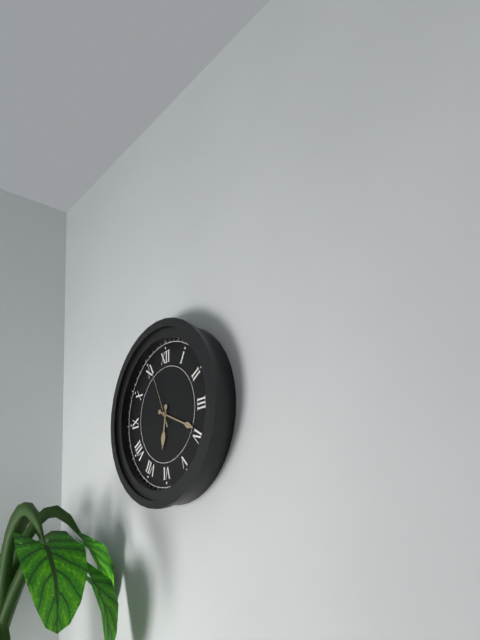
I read 6h19m56s
